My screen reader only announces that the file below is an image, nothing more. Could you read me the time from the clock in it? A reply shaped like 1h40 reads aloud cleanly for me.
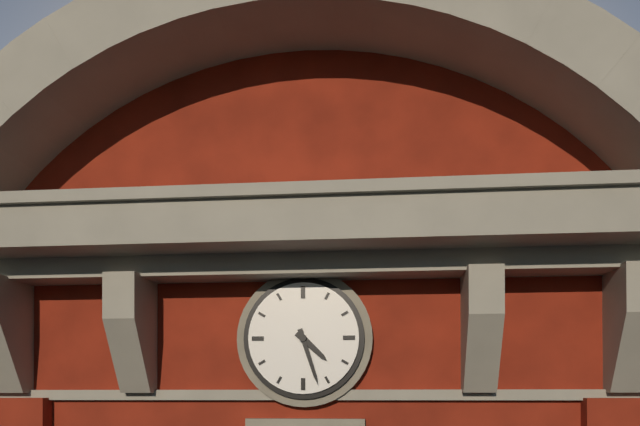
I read 4h27
